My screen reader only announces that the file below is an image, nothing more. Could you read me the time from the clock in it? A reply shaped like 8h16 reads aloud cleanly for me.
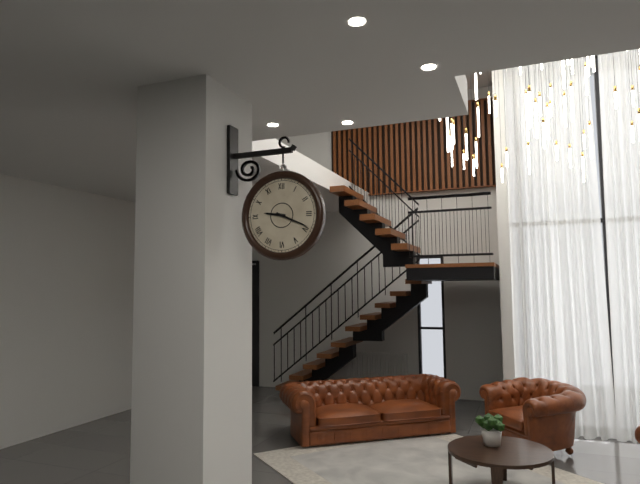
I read 9h19
